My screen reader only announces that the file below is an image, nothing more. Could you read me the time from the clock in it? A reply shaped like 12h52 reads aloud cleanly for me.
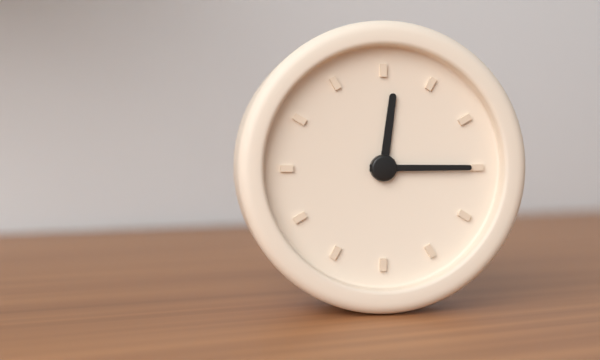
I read 12h15
